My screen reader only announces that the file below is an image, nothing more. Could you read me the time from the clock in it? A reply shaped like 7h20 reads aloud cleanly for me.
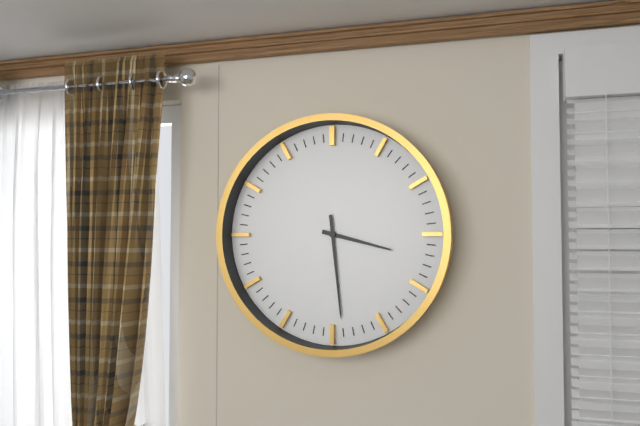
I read 3h29
